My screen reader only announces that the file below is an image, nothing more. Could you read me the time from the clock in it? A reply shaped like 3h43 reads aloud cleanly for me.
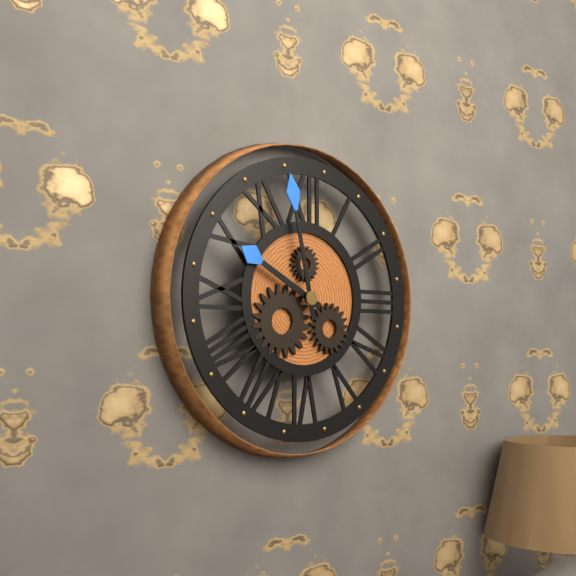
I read 9h58
